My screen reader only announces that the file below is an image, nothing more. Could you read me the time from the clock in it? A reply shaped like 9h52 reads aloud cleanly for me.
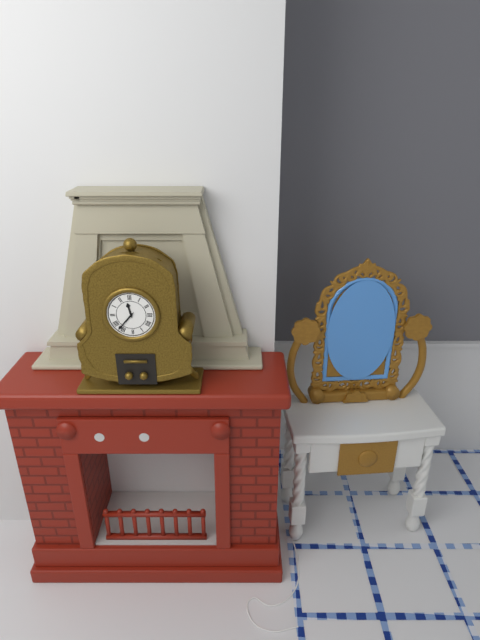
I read 11h37
